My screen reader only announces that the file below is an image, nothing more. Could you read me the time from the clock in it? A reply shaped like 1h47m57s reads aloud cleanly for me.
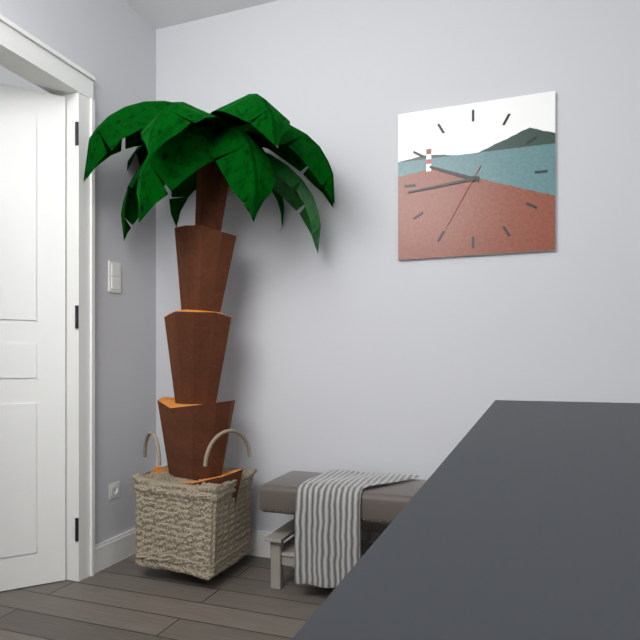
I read 9h44m35s
